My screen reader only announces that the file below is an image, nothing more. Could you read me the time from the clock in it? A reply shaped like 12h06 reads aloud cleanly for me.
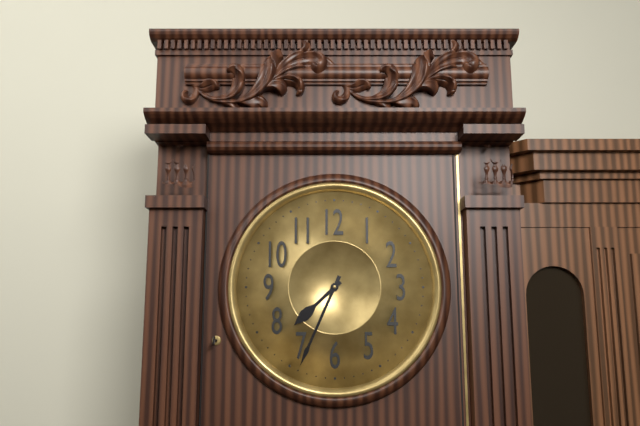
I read 7h34
